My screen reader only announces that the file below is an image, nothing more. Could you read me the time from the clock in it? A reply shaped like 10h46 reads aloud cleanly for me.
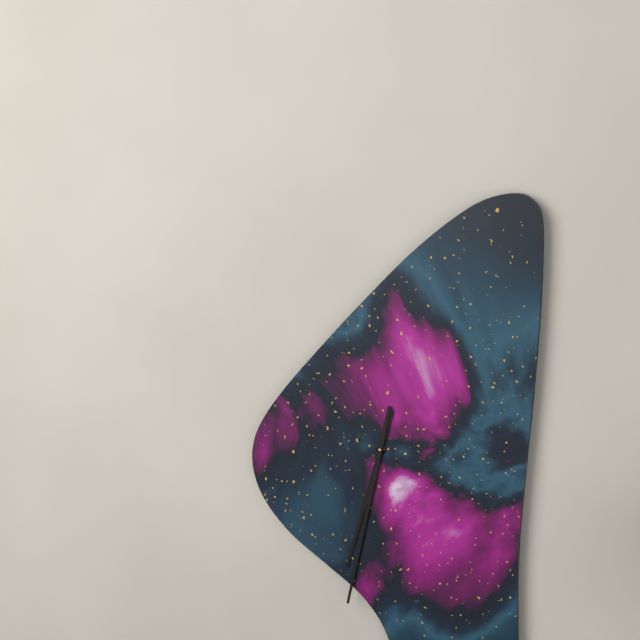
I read 6h32
